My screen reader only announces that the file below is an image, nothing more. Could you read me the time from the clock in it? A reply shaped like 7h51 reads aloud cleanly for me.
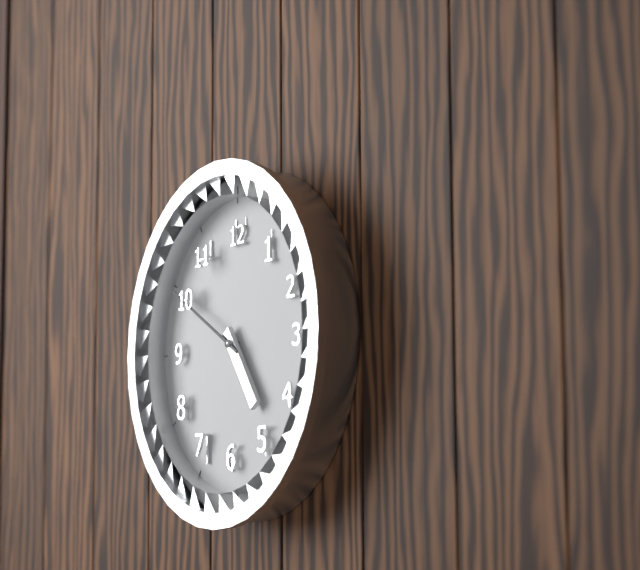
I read 4h50
